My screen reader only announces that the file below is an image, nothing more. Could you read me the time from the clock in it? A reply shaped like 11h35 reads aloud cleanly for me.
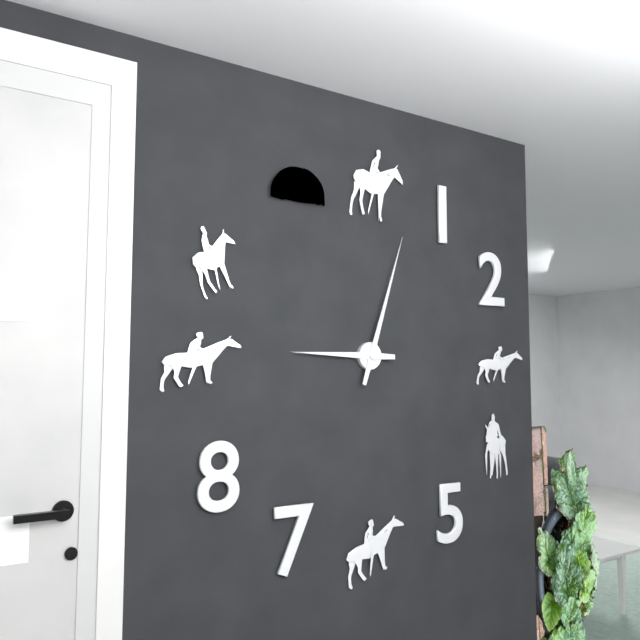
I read 9h03
